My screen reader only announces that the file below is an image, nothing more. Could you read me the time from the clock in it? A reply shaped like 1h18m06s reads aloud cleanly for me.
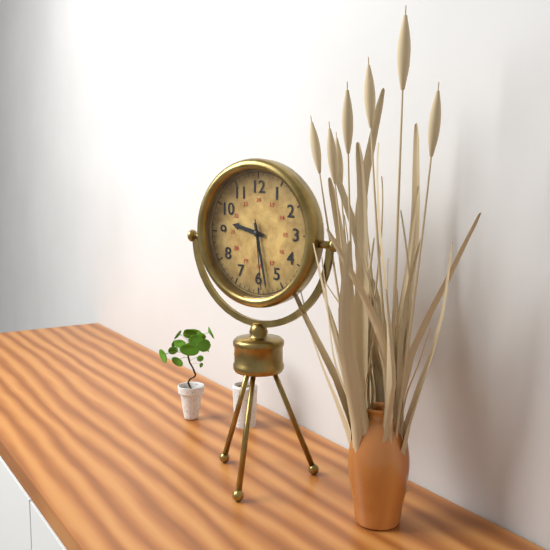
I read 9h28m29s
